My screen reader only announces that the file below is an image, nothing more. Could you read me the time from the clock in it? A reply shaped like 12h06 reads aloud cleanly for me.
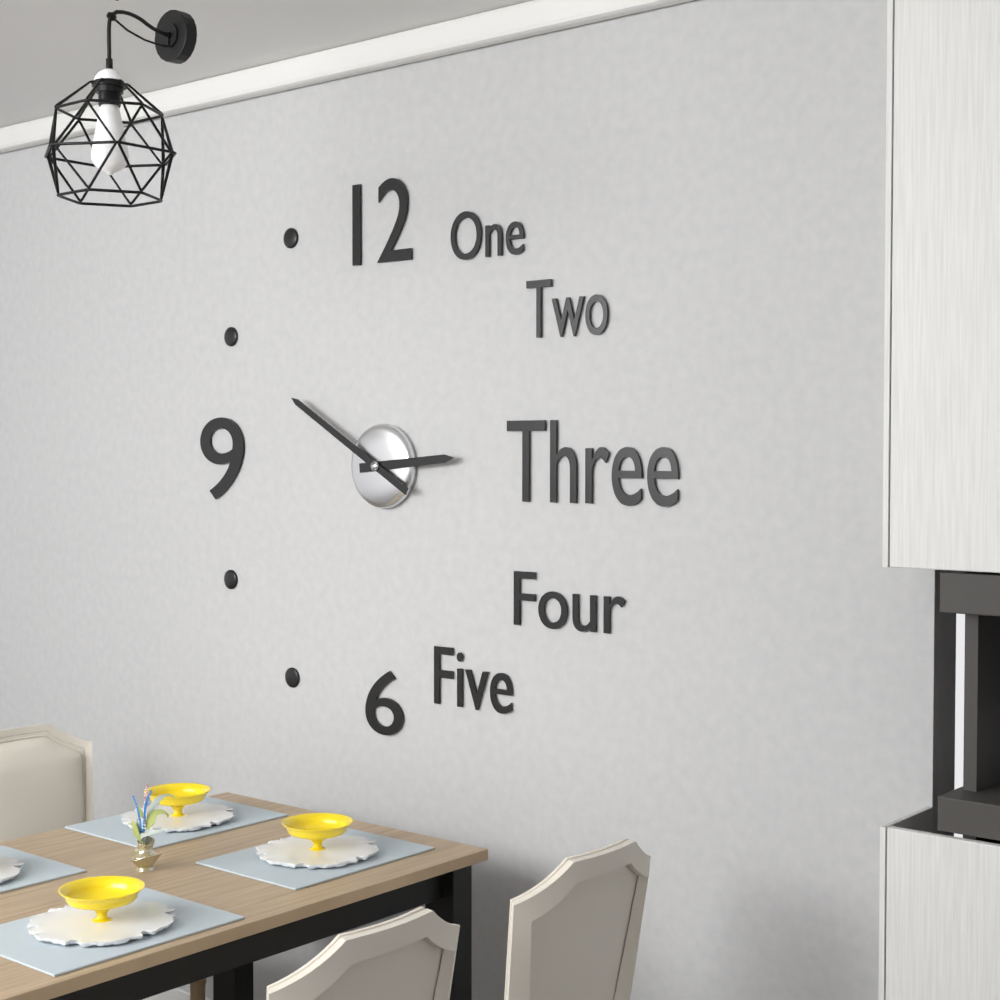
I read 2h50
